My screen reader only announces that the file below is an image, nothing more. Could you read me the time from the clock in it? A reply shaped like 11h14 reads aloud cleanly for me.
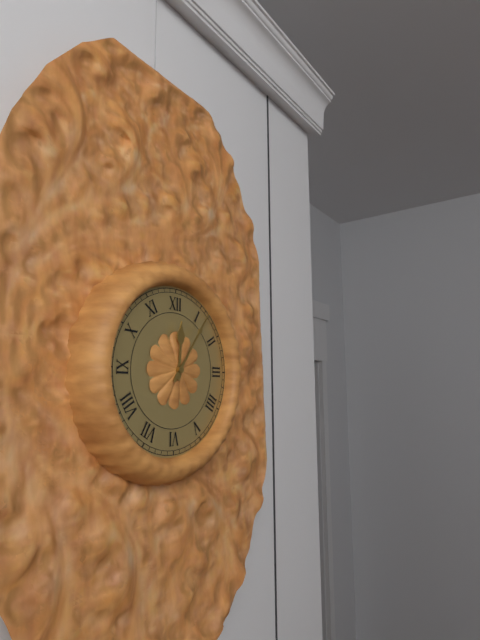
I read 12h06
